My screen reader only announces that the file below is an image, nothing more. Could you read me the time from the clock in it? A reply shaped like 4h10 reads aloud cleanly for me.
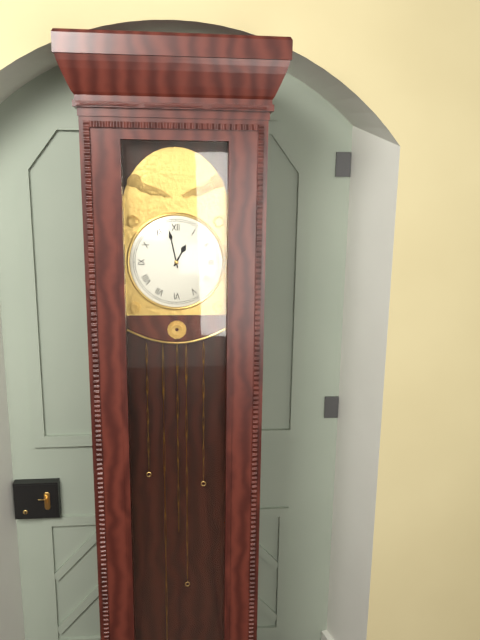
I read 12h58
